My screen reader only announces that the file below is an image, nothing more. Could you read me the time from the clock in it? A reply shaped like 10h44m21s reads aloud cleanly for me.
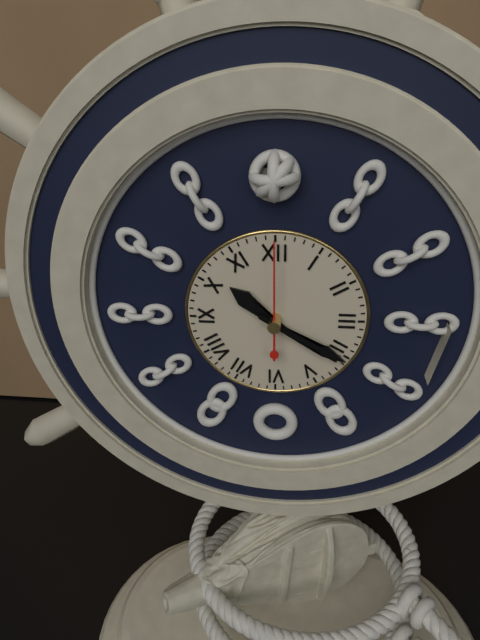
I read 10h20m00s
